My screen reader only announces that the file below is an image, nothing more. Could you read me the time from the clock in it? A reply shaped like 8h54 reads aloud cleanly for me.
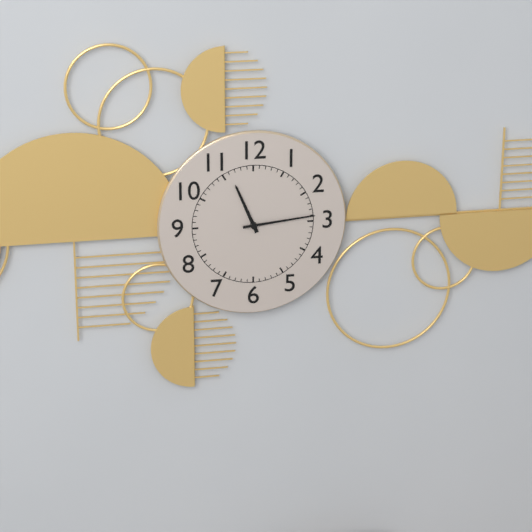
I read 11h14
